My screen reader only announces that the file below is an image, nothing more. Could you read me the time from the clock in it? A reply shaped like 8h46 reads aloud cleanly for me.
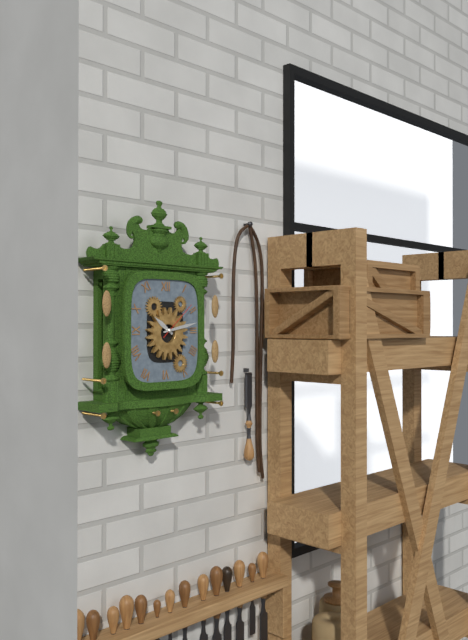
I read 10h13
